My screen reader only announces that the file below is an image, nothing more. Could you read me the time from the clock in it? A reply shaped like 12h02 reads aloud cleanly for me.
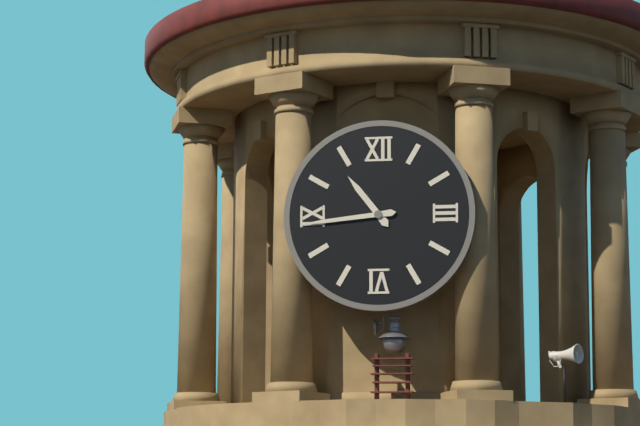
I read 10h44
